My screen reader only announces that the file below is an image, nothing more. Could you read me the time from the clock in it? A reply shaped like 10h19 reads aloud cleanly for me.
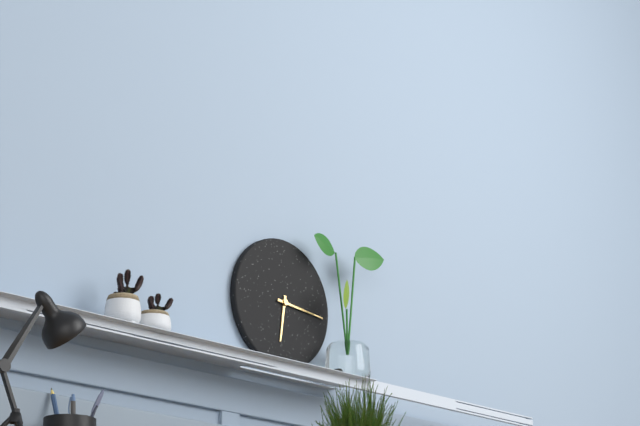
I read 6h16
